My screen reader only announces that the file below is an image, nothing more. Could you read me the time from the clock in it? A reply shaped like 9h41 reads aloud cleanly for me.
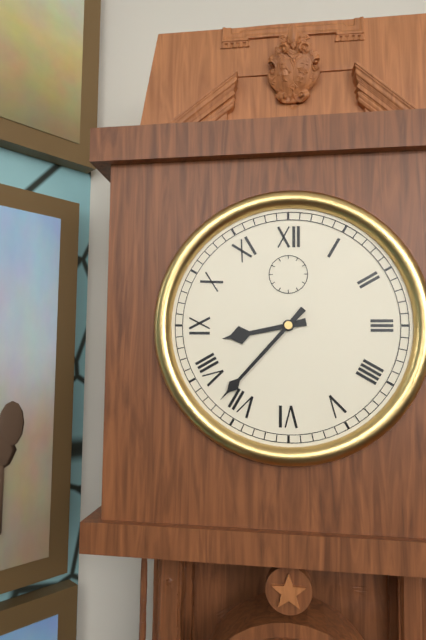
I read 8h37
